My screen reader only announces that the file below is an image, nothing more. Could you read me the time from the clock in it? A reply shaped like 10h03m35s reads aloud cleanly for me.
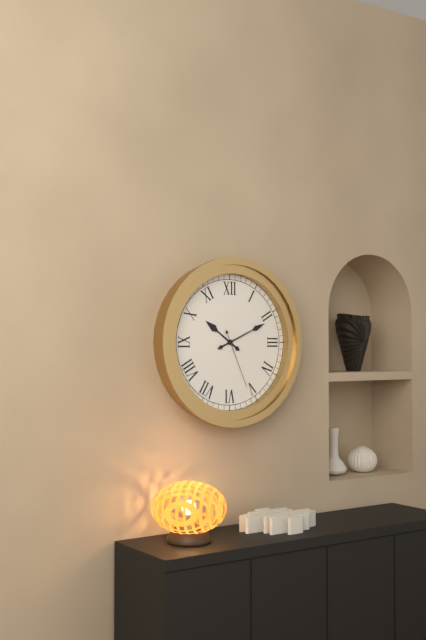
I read 10h11m26s
